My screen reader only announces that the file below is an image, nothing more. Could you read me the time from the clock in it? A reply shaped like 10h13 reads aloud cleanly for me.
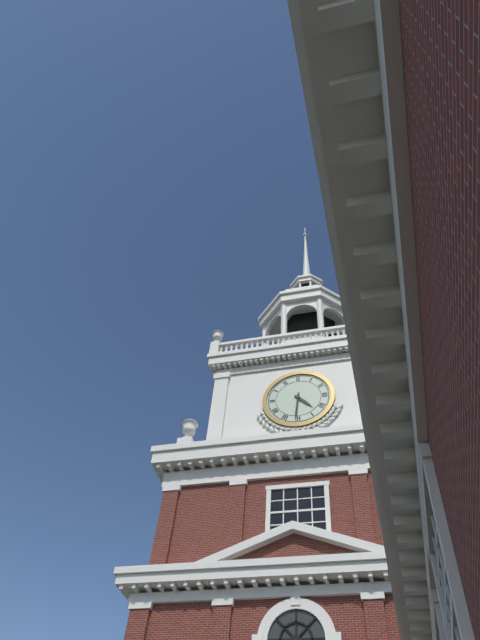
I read 4h31
